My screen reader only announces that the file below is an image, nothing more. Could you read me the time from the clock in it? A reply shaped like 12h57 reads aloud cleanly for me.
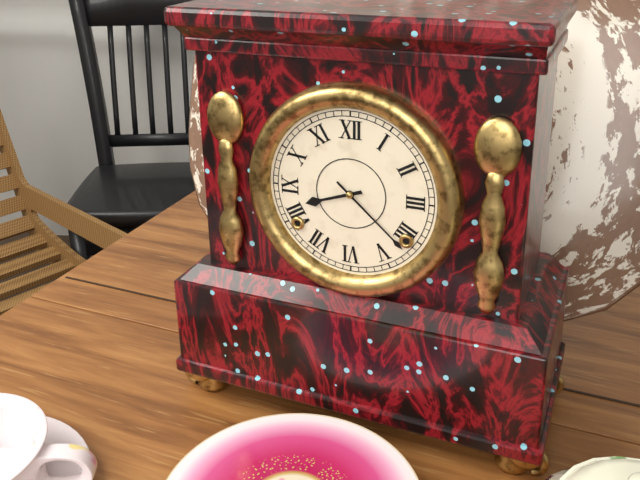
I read 8h22
